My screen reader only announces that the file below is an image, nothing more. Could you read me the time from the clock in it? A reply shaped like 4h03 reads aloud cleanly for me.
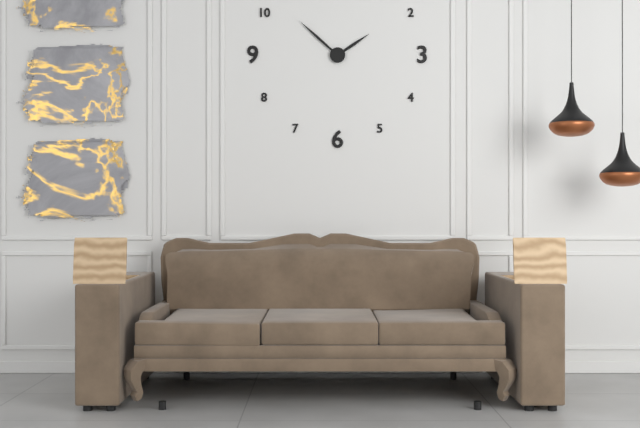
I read 1h52
